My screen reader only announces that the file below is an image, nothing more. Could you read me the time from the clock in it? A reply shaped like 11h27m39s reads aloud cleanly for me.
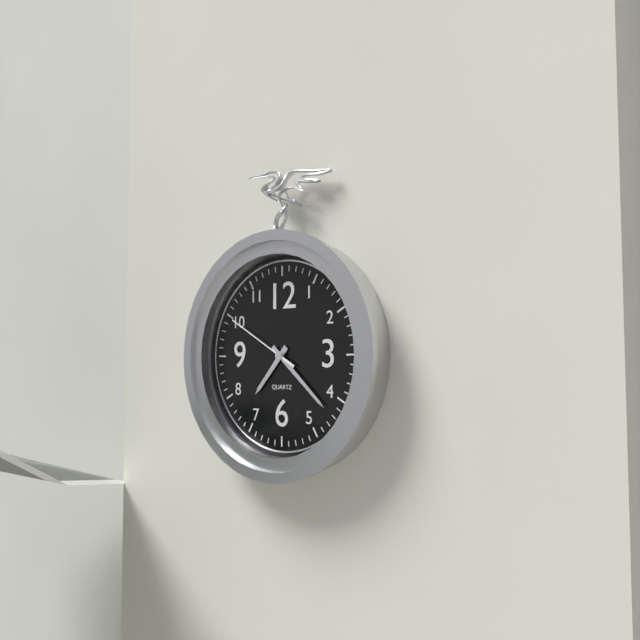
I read 7h22m50s
